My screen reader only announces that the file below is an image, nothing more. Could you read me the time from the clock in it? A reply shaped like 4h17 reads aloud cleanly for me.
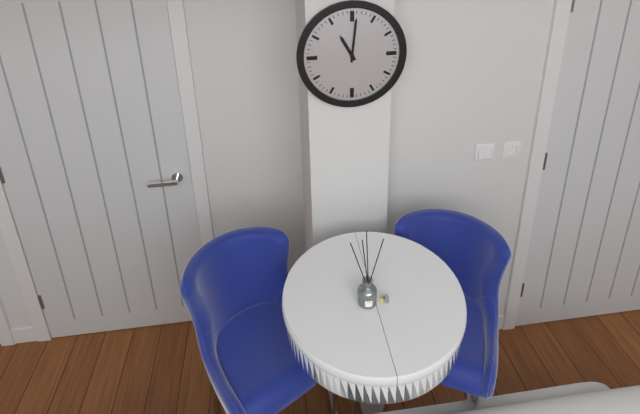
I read 11h01
